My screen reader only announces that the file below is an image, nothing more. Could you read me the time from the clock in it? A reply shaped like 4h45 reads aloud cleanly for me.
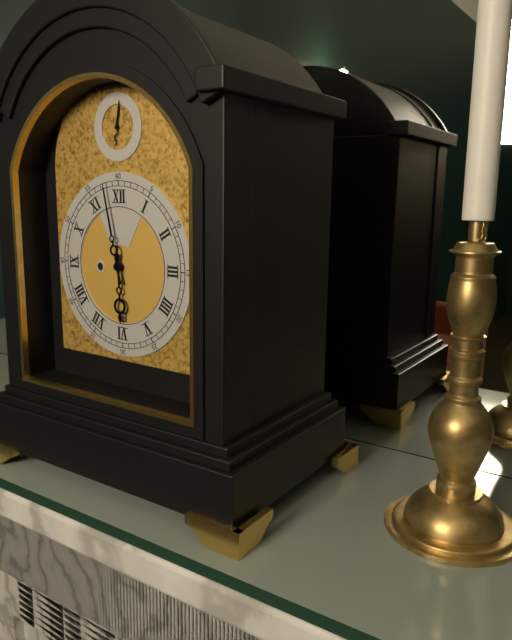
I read 5h58
